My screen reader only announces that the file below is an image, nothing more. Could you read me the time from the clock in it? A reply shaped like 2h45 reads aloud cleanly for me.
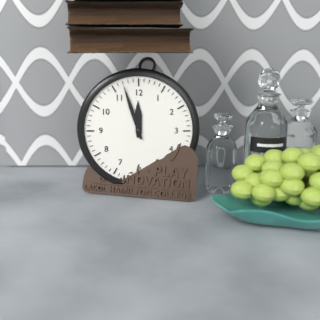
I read 11h57
